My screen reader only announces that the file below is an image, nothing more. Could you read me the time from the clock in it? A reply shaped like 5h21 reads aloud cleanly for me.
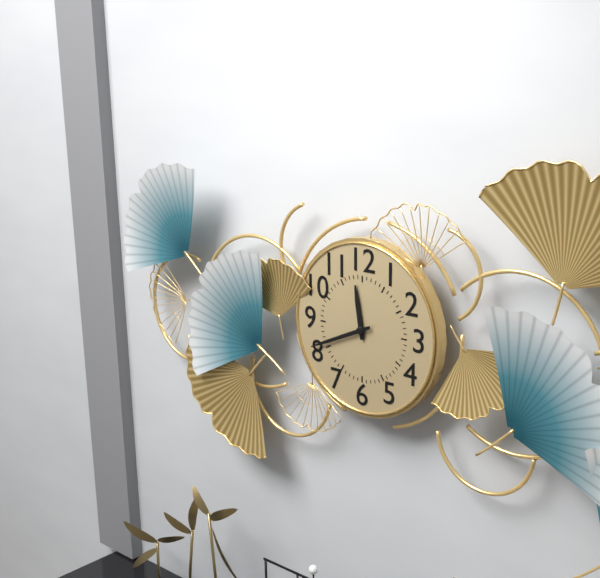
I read 11h41
